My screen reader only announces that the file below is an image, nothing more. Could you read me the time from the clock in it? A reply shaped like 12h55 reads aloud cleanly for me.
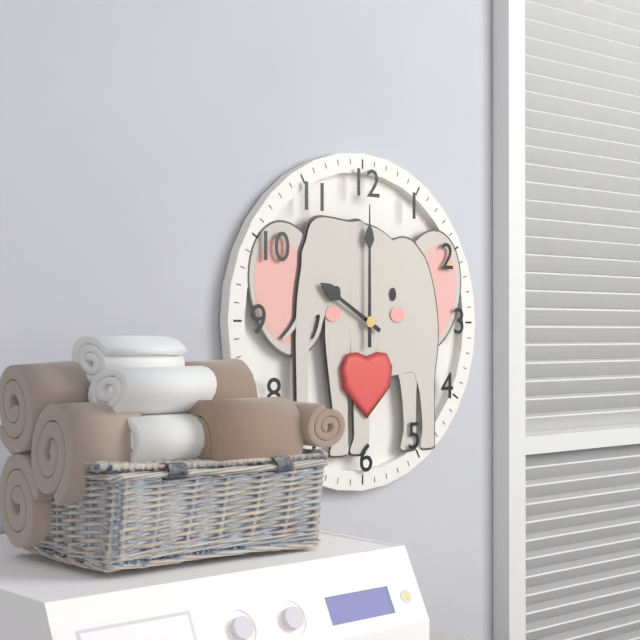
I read 10h00
